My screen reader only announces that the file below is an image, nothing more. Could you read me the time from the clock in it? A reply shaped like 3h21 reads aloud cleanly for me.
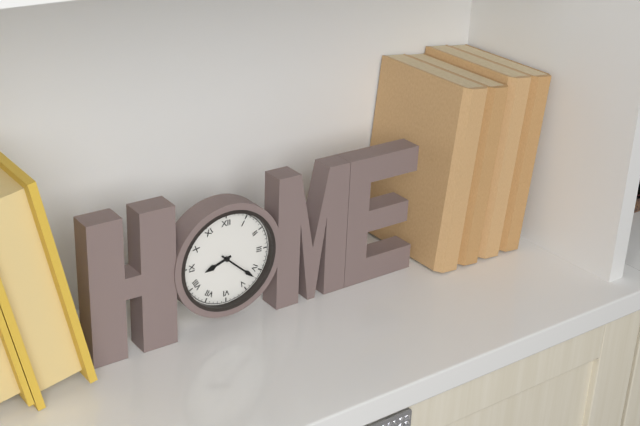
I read 8h22
